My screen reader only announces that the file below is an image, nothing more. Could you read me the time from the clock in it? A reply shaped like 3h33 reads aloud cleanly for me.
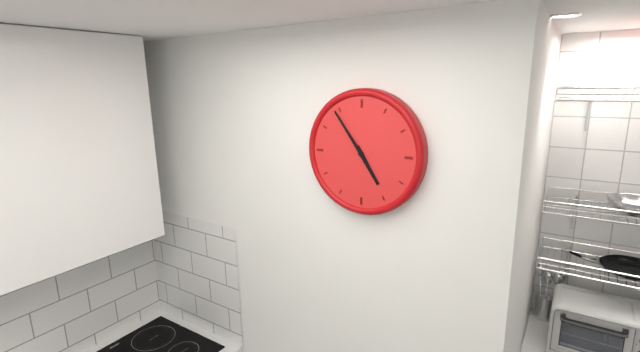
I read 4h54
